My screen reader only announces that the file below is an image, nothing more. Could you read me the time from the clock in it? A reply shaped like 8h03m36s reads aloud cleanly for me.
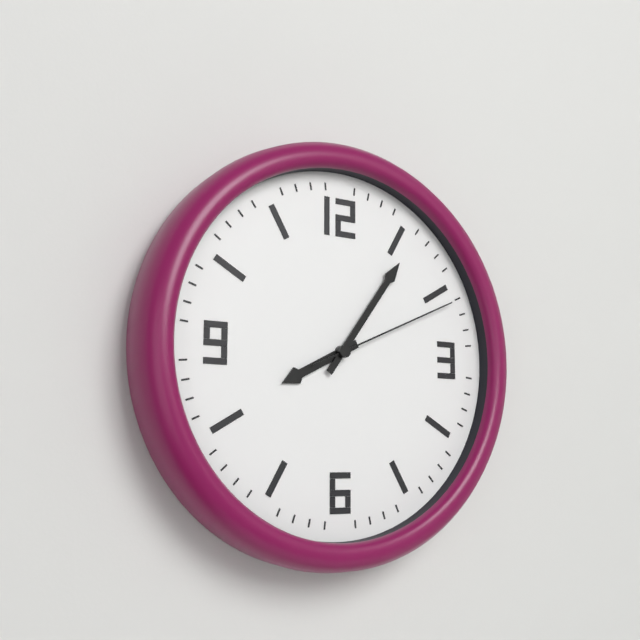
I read 8h06m11s
